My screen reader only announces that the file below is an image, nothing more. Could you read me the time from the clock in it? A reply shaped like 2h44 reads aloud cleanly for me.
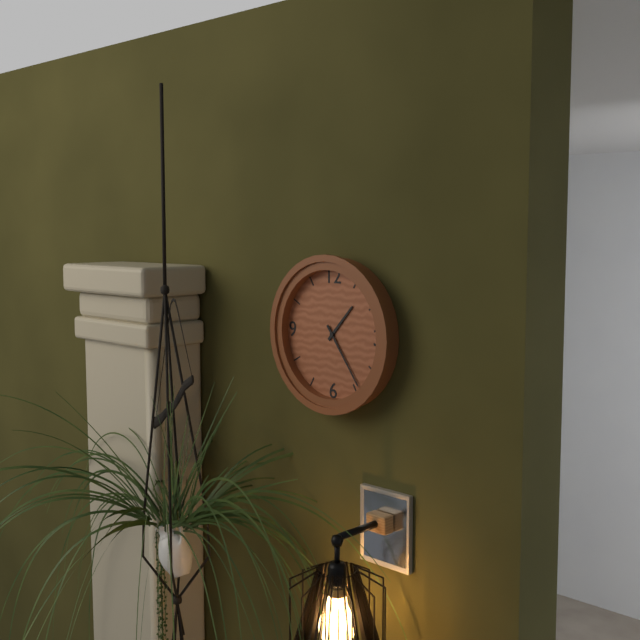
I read 1h24
